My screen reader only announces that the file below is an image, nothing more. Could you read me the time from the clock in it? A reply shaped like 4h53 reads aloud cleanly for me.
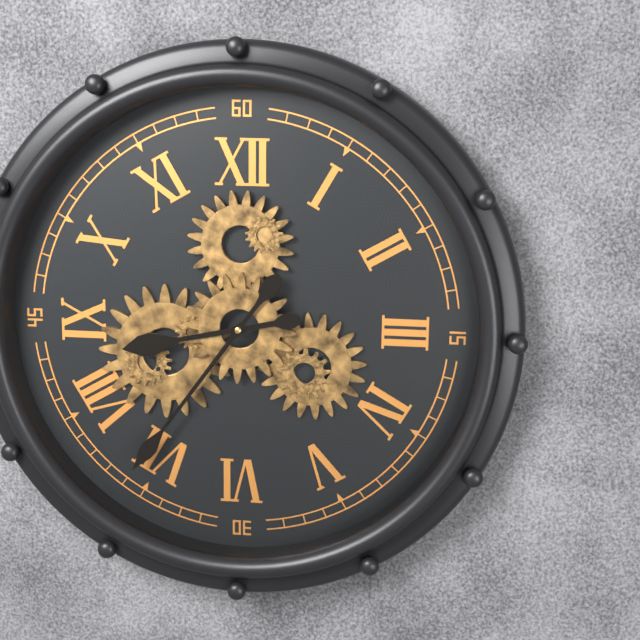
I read 8h36
